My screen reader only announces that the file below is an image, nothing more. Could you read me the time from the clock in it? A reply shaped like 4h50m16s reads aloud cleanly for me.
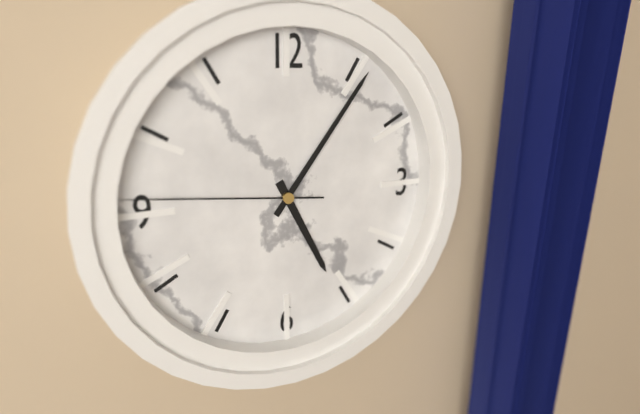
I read 5h06m46s
